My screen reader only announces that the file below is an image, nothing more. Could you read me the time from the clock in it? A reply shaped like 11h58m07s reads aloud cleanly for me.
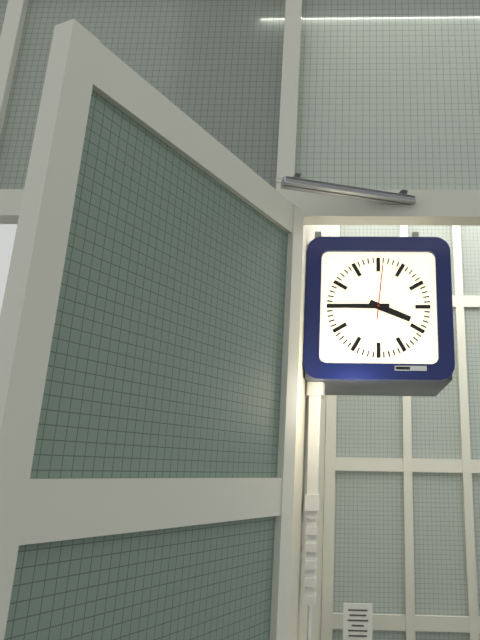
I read 3h45m01s
